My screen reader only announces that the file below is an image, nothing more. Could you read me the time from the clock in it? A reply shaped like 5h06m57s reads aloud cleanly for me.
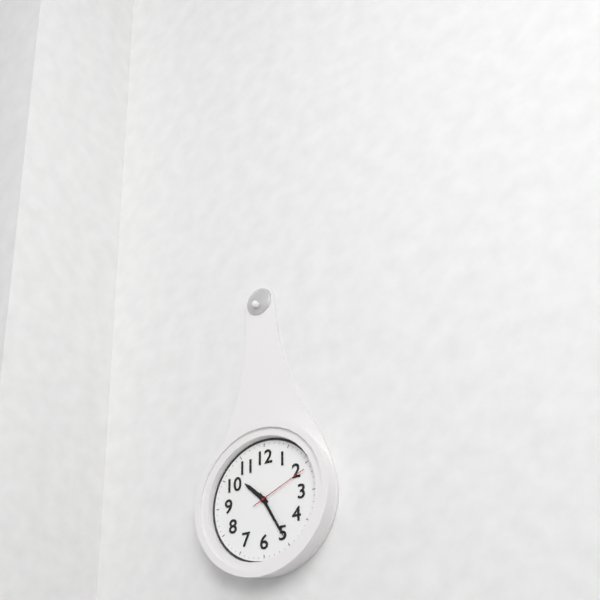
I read 10h25m11s
